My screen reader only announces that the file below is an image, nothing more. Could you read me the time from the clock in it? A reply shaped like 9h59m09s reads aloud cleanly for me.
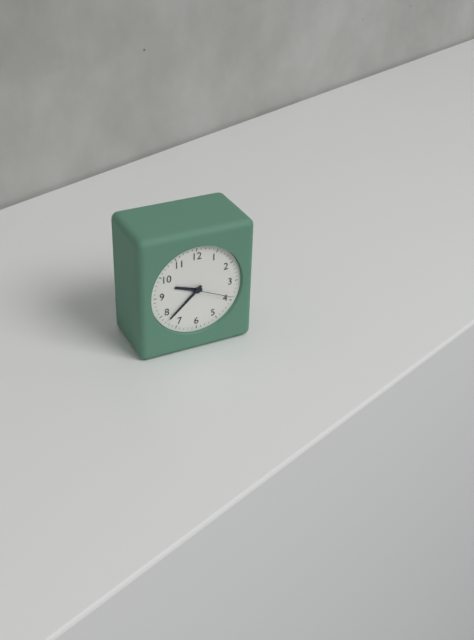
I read 9h38m19s
